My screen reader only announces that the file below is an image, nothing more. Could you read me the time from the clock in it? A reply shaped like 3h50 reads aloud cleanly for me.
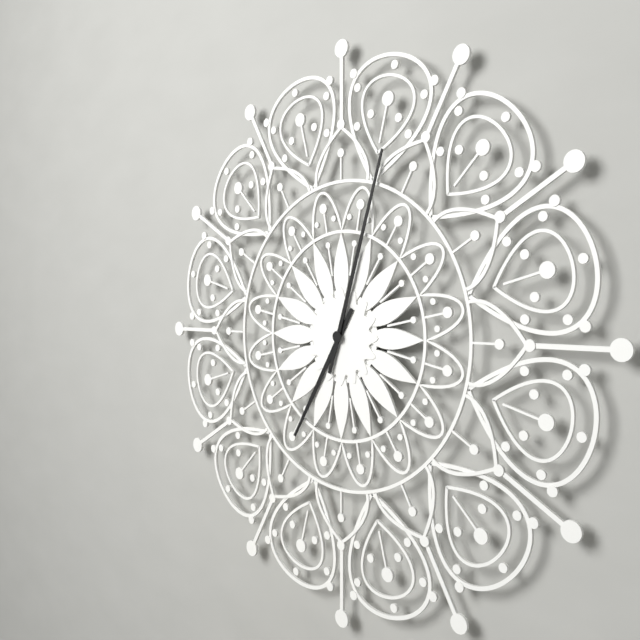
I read 7h03
